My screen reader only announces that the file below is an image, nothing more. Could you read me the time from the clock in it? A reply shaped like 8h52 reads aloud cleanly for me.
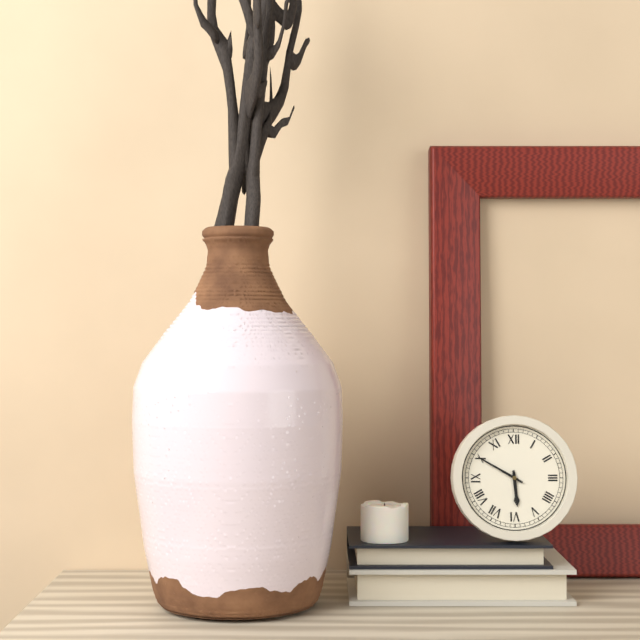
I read 5h50
